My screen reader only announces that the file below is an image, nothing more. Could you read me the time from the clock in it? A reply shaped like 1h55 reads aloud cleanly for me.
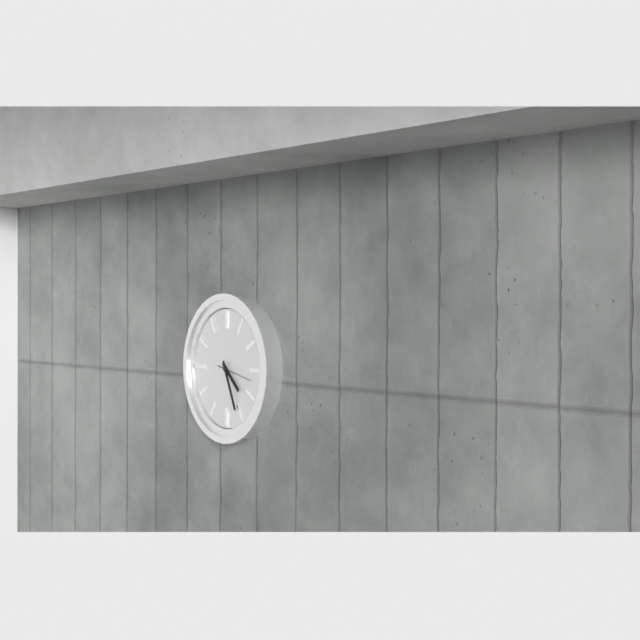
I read 4h26
